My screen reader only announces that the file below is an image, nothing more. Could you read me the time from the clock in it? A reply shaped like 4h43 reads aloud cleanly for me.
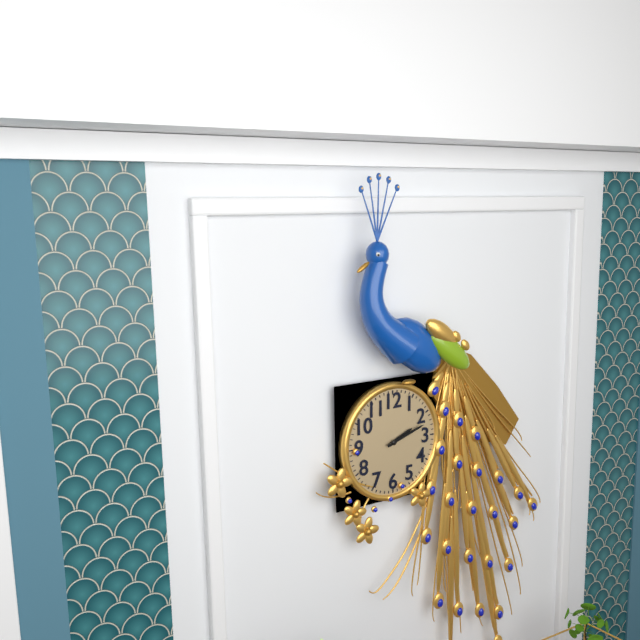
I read 2h12
